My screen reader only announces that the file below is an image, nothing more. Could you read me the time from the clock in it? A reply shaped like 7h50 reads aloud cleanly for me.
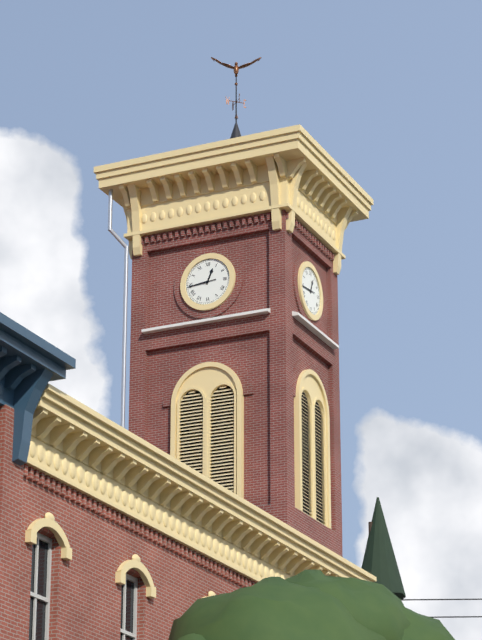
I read 12h44
